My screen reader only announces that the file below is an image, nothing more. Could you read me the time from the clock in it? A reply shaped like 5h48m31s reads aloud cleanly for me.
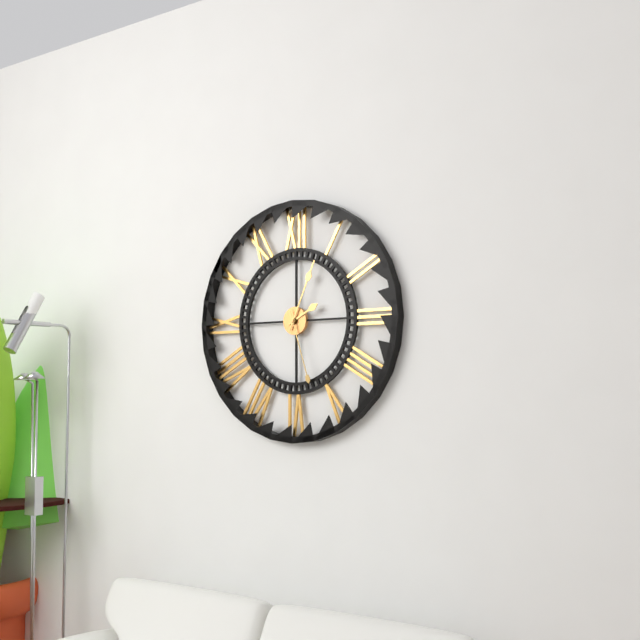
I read 2h04m27s
